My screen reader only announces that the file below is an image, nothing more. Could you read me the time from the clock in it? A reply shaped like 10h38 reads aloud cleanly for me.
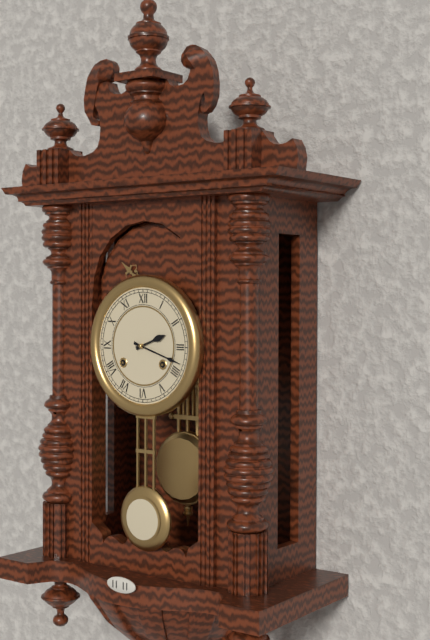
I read 2h18
